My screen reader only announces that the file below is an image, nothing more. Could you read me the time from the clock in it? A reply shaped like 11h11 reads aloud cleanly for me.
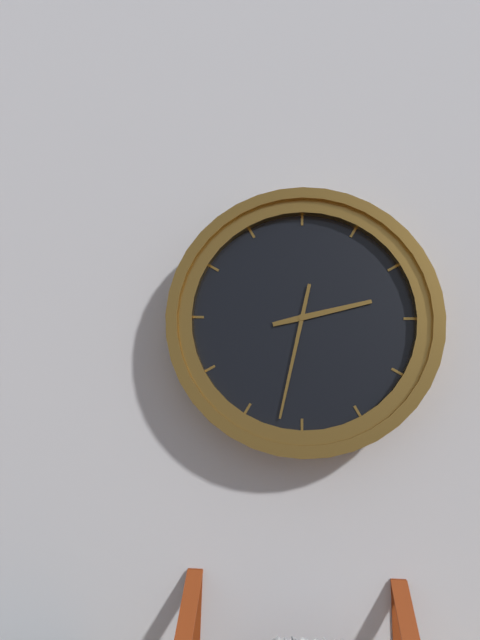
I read 2h32
